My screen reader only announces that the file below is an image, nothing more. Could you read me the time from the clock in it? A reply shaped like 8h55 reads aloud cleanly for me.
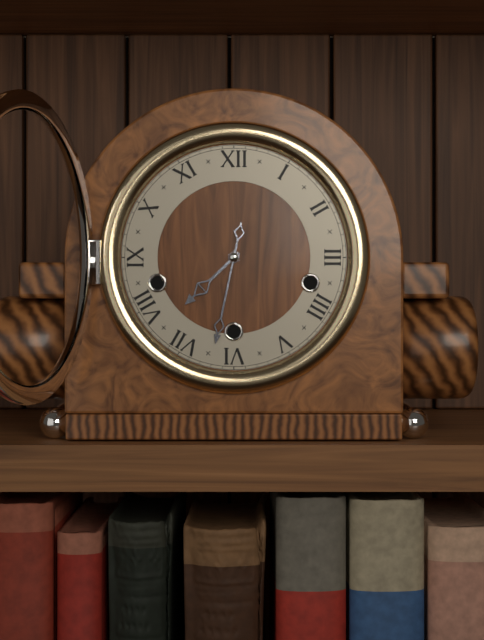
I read 7h32
